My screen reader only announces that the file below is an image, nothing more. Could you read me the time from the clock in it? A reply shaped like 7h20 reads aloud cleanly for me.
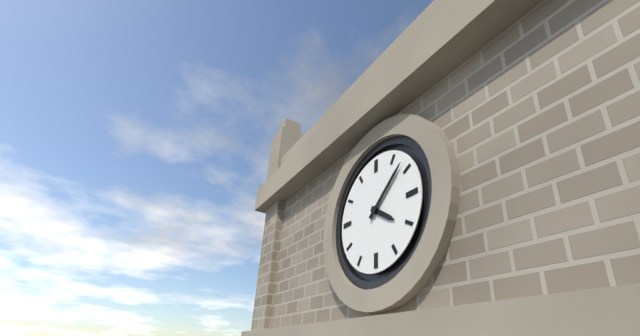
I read 4h08
